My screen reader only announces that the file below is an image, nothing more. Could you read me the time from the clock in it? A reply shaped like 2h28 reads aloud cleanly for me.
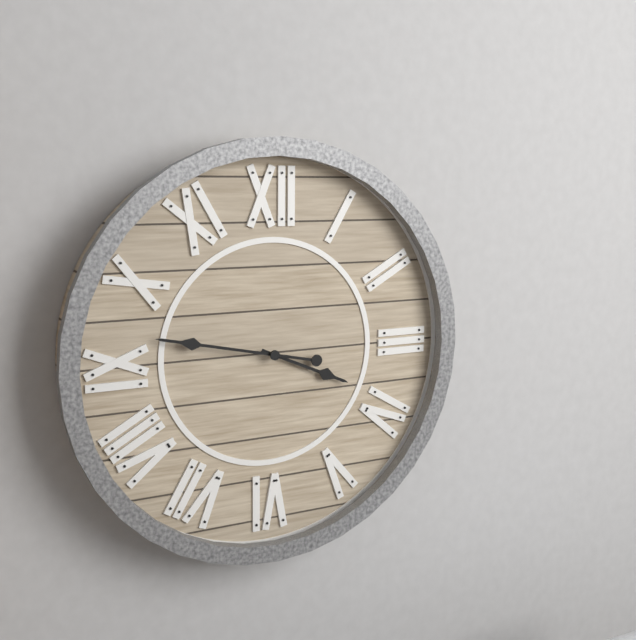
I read 3h47
